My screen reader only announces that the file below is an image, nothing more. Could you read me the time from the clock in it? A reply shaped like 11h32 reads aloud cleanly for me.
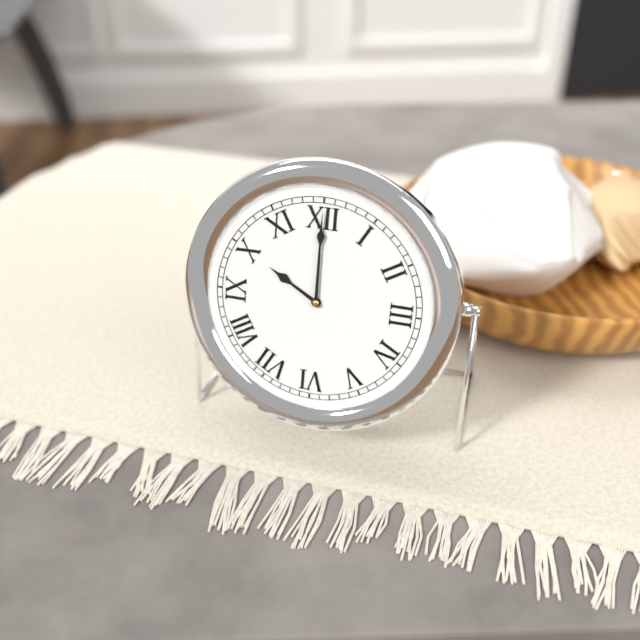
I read 10h00
